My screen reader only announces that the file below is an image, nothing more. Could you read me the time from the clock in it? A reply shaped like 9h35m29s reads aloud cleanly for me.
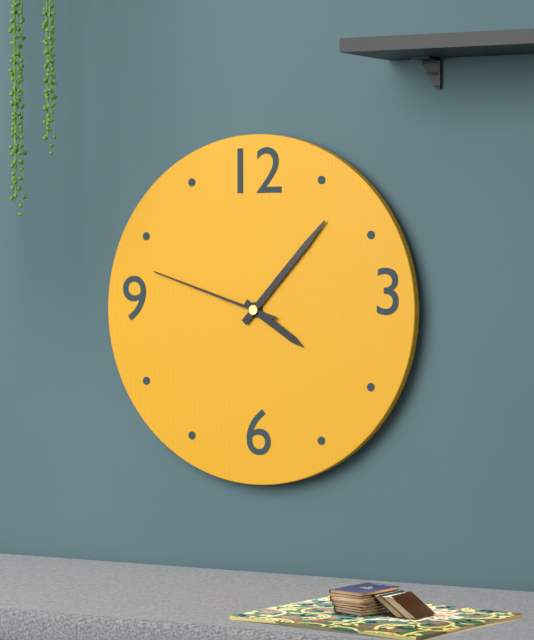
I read 4h07m48s
